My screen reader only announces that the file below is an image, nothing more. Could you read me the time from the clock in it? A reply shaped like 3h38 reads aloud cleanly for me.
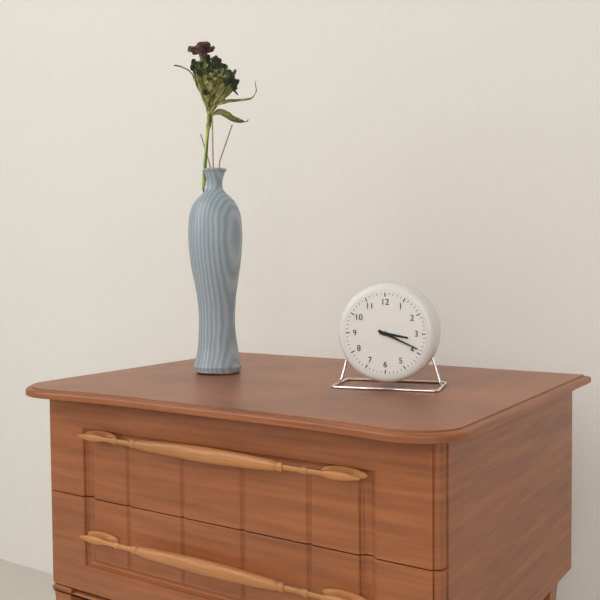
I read 3h19
